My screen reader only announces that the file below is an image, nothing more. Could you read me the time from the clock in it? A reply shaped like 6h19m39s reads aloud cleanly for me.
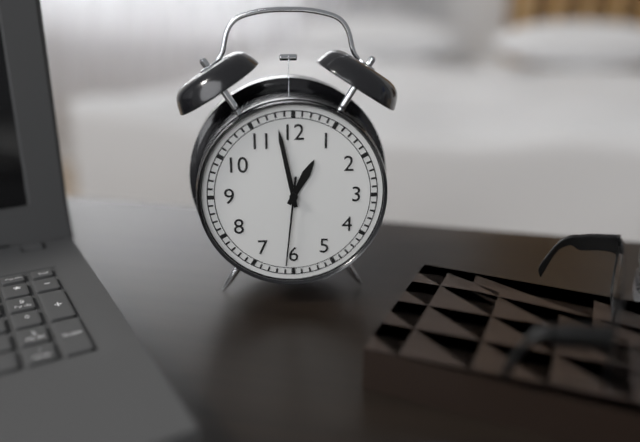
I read 12h58m31s
